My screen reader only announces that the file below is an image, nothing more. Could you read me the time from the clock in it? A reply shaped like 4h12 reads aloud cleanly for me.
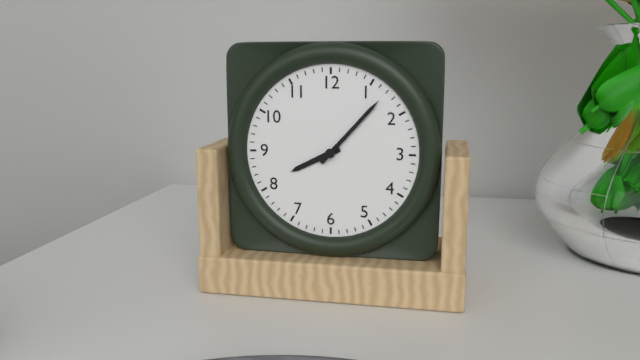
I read 8h07
